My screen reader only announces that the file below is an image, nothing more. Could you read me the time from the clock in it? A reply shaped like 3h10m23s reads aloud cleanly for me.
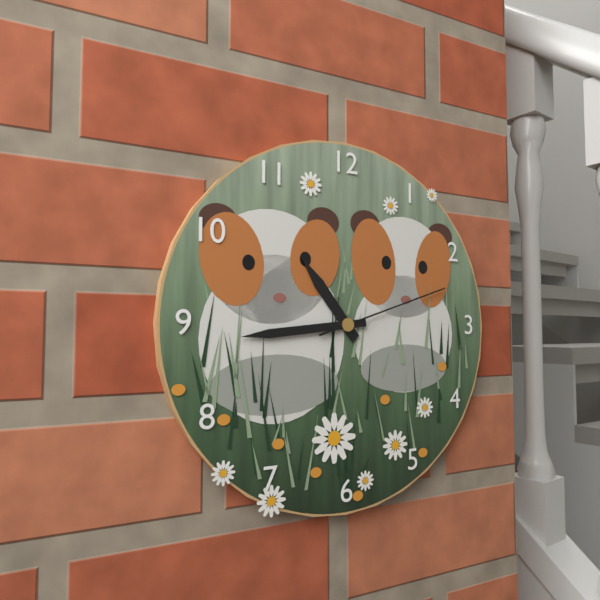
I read 10h44m12s
